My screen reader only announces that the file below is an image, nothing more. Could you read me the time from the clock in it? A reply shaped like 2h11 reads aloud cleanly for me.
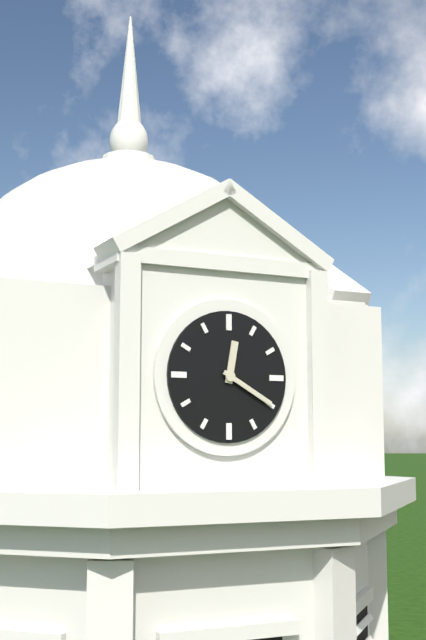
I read 12h20
